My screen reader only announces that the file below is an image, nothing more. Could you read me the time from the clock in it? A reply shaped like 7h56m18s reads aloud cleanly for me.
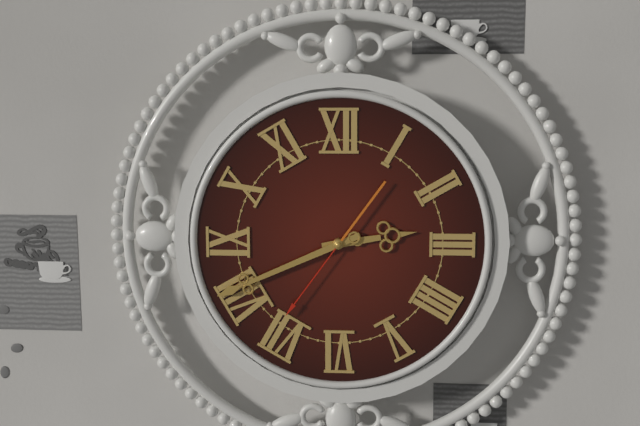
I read 2h41m36s
